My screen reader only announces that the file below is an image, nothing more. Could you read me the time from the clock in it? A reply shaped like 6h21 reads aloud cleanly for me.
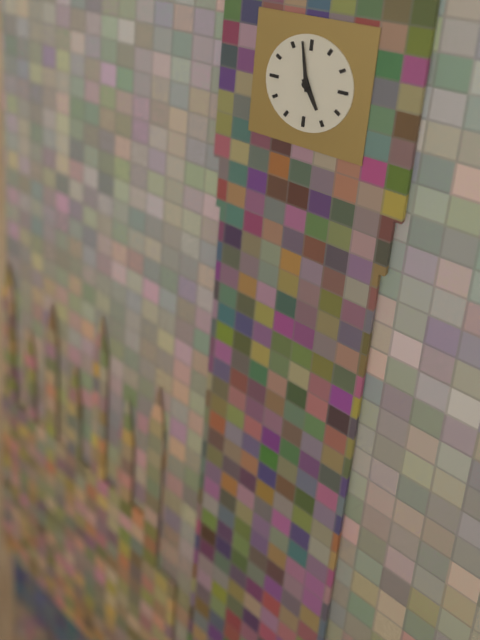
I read 4h58
